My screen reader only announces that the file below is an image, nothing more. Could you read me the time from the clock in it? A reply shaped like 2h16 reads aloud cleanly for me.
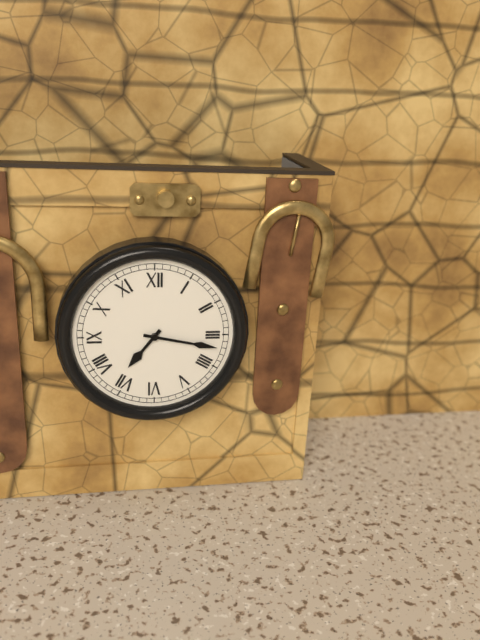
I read 7h17
